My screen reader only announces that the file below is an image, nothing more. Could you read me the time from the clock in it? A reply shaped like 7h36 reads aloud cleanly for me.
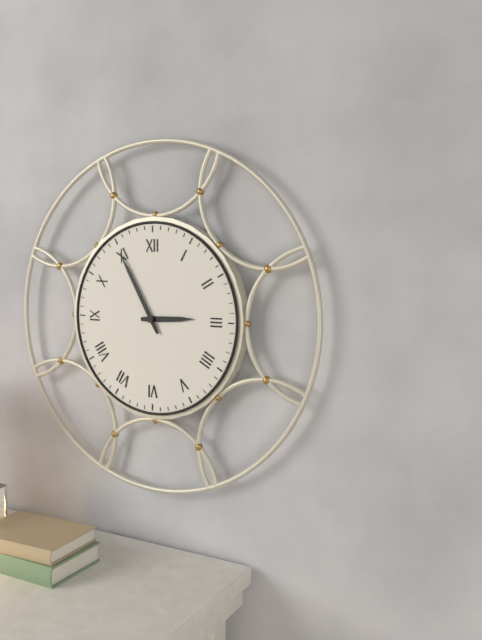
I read 2h55
